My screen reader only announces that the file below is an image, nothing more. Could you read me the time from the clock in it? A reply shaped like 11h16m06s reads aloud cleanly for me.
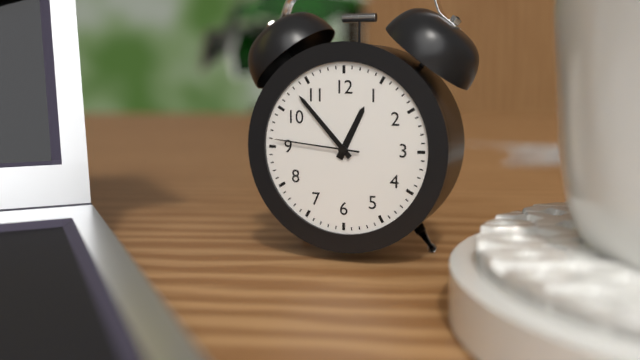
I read 12h53m46s
